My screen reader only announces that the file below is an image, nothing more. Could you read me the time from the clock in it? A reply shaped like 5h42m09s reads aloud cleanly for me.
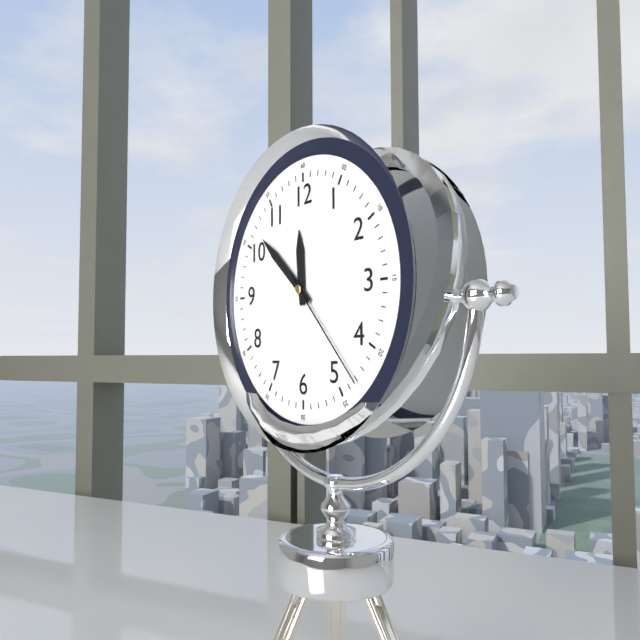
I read 11h52m23s
